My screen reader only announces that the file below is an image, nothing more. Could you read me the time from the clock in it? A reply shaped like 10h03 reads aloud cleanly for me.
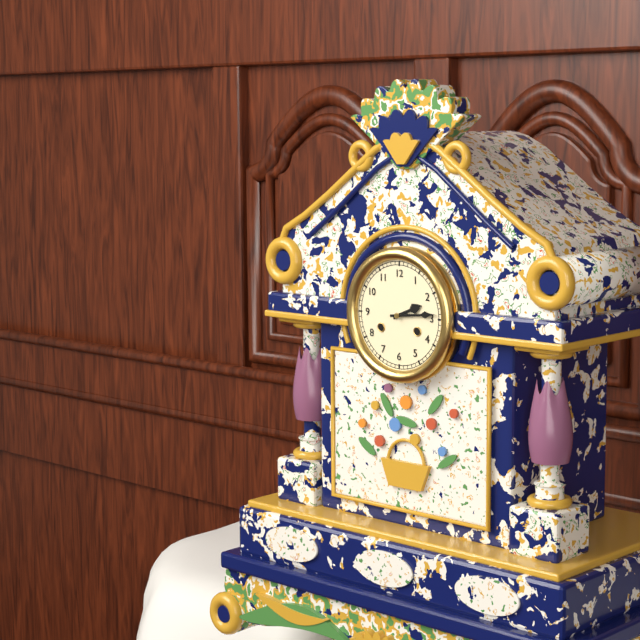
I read 2h14
